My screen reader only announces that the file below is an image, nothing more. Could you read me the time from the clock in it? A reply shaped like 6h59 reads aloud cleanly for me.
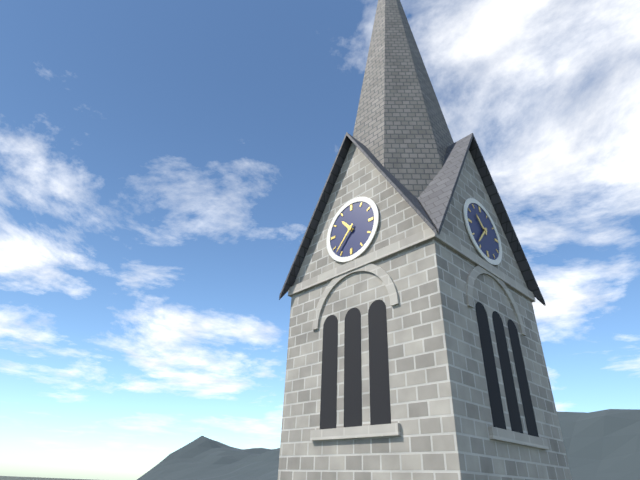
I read 10h37
